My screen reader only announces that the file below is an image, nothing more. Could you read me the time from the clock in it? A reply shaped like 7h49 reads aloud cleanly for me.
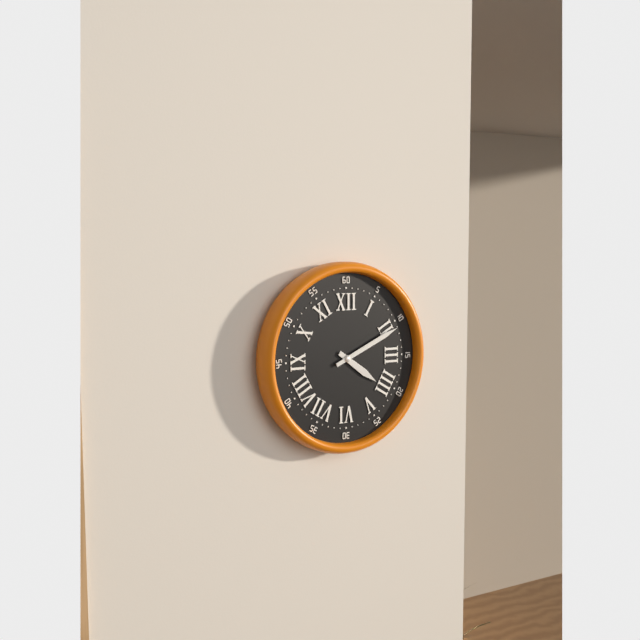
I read 4h11
